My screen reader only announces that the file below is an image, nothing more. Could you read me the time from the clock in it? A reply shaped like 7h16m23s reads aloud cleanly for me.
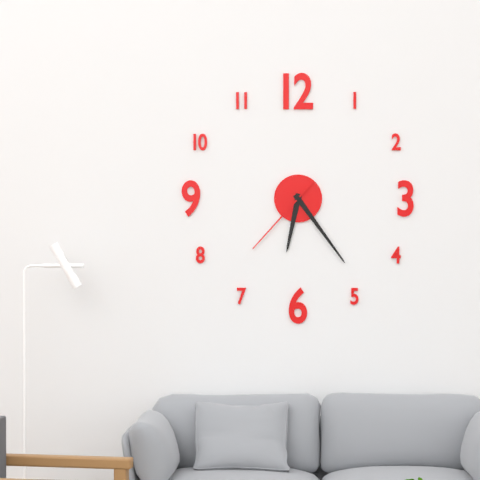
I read 6h24m37s
